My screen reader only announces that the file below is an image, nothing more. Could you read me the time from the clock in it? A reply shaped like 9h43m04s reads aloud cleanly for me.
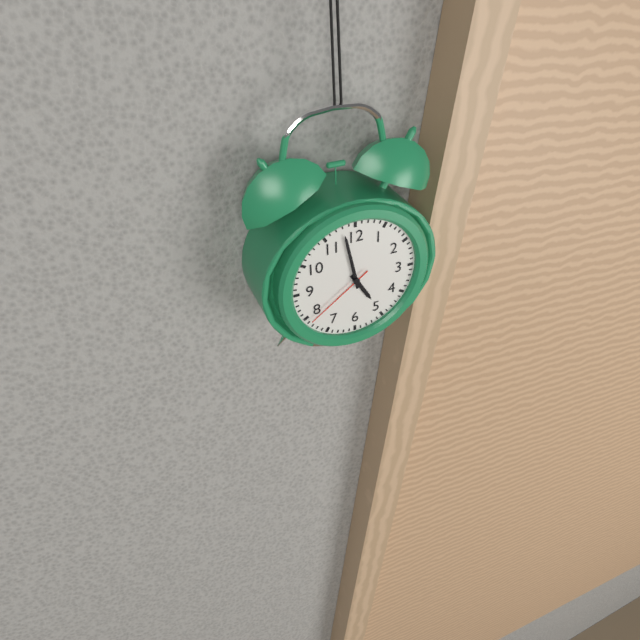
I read 4h58m39s
